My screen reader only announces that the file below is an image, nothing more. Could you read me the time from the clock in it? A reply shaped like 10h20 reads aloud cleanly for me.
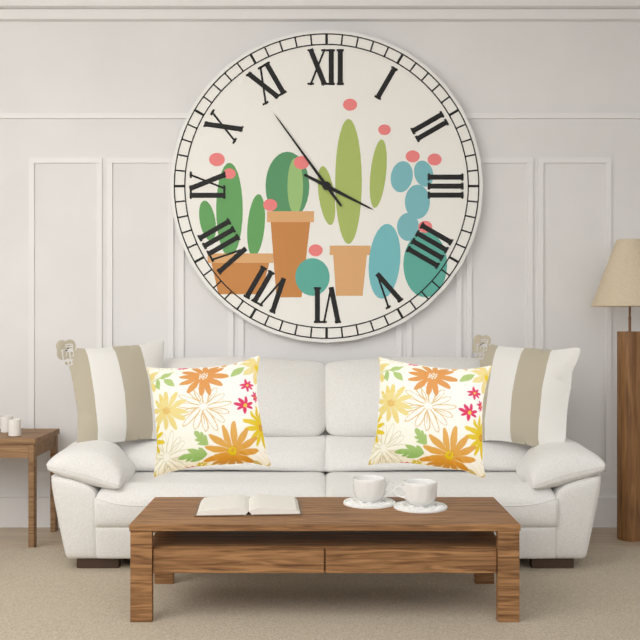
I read 3h54
